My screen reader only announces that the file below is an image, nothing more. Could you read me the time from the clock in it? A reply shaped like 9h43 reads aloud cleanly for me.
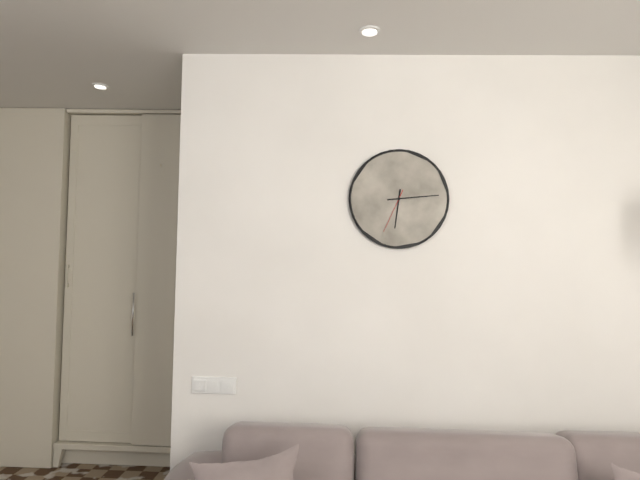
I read 6h14
